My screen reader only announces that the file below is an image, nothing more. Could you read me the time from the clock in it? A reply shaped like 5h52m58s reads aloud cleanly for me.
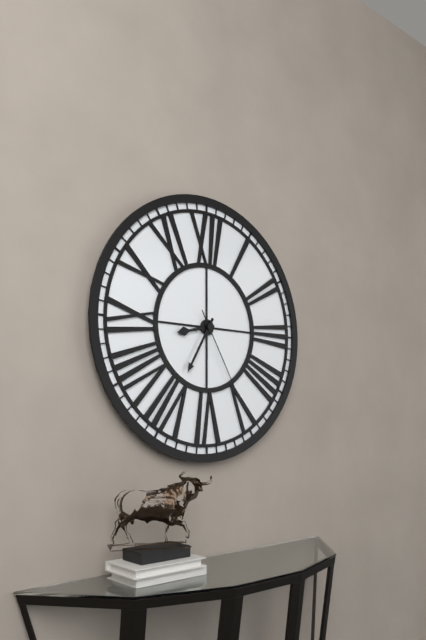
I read 8h35m25s
